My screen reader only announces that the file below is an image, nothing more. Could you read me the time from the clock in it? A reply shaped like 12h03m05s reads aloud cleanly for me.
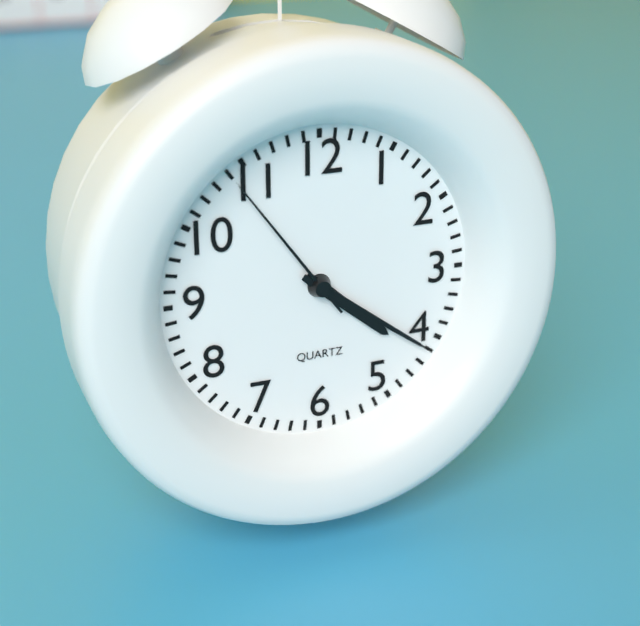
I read 4h21m54s
